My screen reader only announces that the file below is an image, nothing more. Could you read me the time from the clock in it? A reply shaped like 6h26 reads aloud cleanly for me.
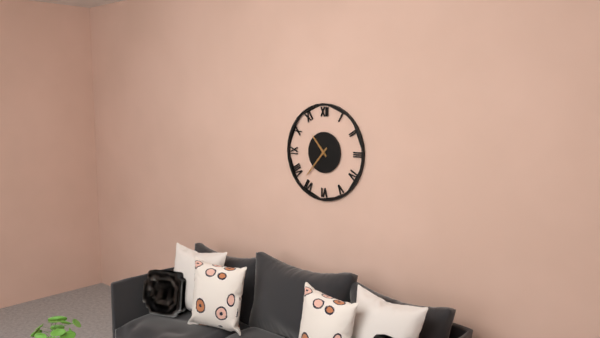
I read 10h37
